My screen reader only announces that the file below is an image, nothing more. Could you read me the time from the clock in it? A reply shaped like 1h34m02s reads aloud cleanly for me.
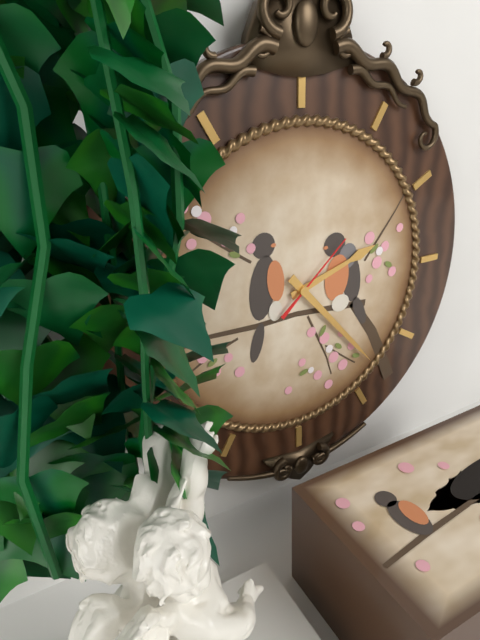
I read 2h23m08s
